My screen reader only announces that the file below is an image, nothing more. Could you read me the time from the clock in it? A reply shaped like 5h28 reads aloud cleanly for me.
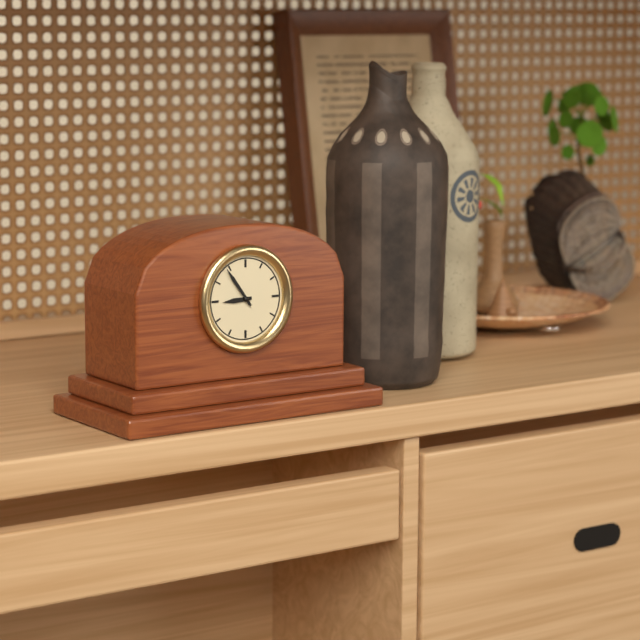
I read 8h54
